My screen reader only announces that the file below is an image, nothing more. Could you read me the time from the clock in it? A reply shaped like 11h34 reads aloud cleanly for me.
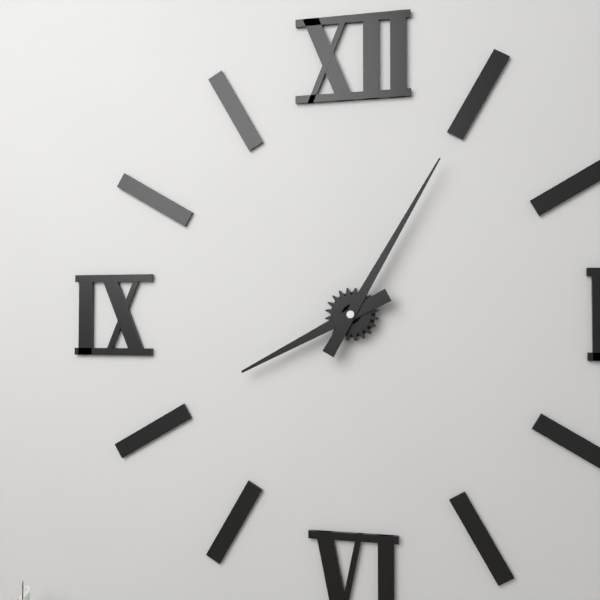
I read 8h05
